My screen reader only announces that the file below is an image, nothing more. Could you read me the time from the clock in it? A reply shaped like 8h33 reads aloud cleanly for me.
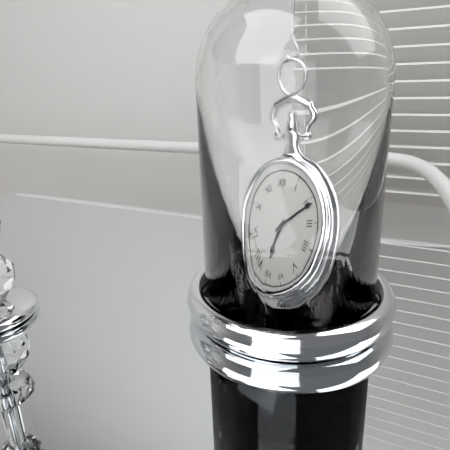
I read 7h11
